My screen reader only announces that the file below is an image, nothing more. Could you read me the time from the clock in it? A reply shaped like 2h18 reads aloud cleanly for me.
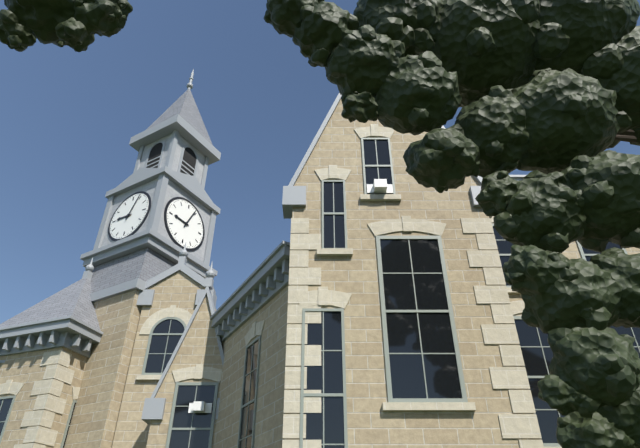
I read 9h04
